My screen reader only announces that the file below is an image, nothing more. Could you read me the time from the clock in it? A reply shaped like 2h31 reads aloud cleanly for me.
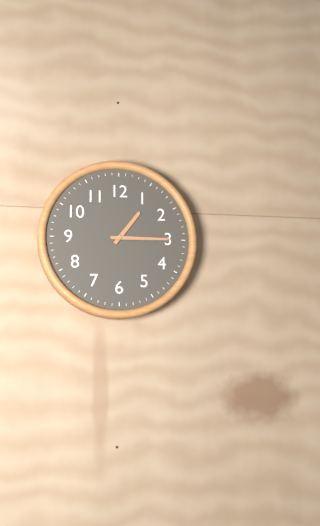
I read 1h15
